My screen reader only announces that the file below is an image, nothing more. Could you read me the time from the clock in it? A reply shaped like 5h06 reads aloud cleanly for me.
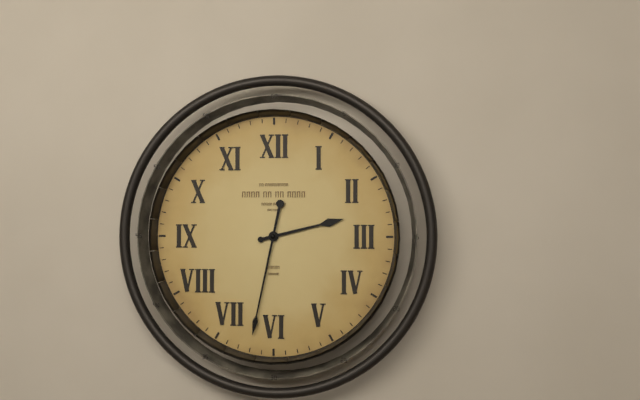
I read 2h32
